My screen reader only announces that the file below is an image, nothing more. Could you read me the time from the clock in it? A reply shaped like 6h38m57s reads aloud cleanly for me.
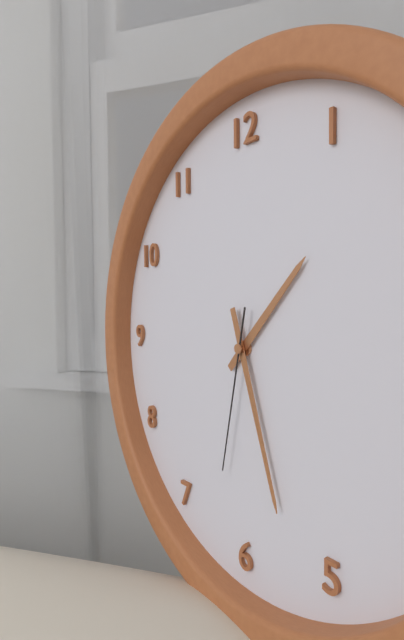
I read 1h27m32s
